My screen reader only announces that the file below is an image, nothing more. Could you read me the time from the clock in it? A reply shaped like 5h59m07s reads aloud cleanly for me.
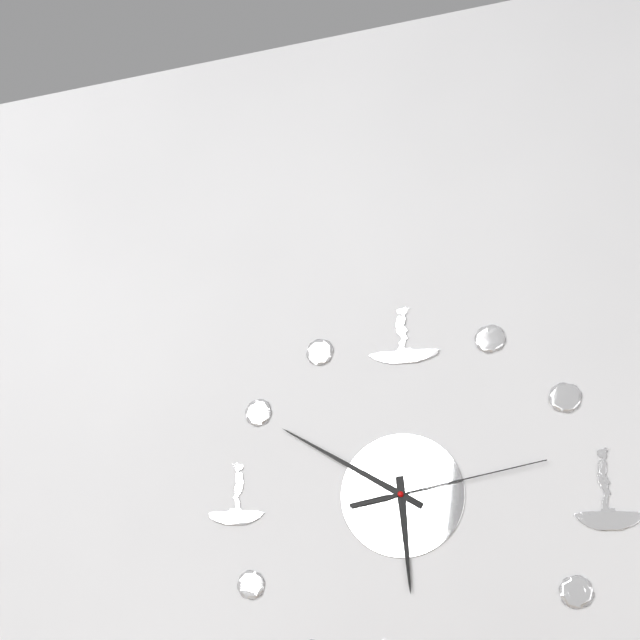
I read 5h50m13s
